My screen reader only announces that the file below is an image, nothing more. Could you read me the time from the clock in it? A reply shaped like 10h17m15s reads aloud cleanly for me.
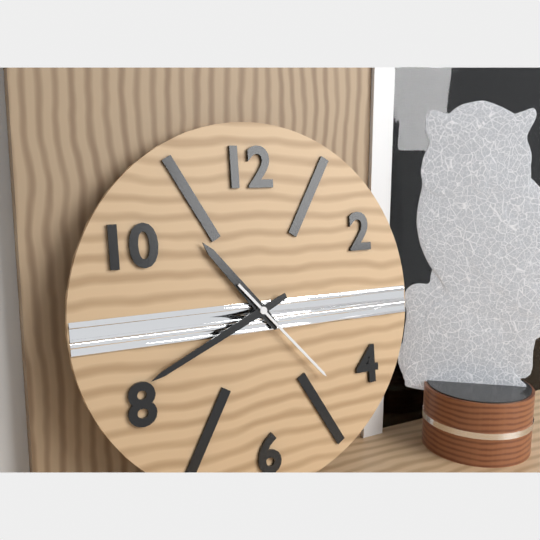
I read 10h41m23s
